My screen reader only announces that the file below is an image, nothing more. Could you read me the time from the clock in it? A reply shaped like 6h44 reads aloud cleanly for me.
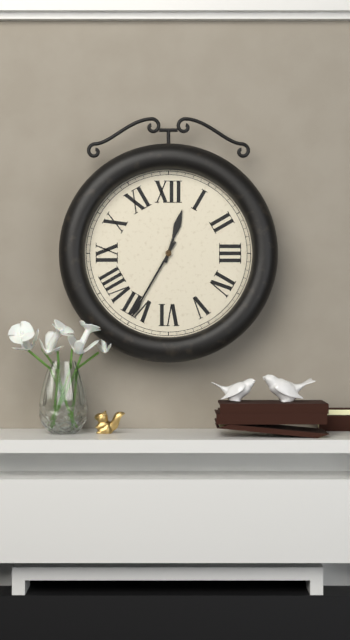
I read 12h35
